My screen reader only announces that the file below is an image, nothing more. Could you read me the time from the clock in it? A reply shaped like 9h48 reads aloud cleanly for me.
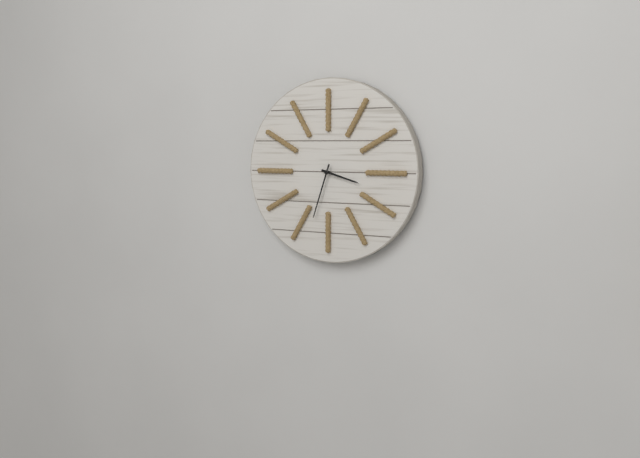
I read 3h33
